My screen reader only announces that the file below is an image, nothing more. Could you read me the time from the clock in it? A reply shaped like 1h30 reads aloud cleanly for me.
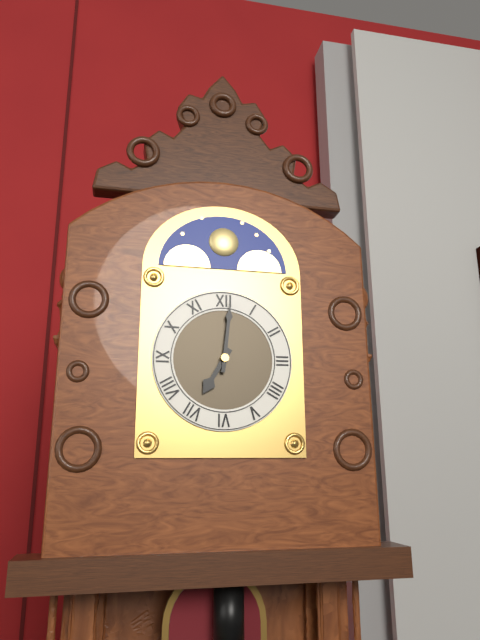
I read 7h01
